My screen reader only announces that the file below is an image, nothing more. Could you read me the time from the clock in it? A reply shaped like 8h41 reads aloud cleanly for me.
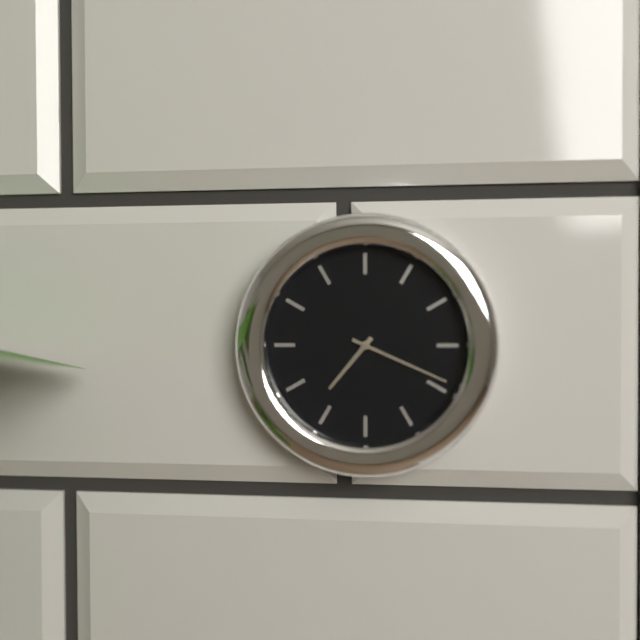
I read 7h19
